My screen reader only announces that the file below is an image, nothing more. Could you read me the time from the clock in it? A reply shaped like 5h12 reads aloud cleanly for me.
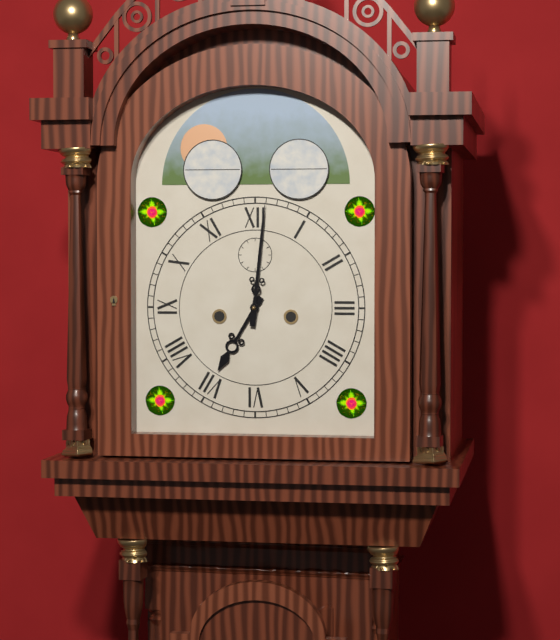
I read 7h01
